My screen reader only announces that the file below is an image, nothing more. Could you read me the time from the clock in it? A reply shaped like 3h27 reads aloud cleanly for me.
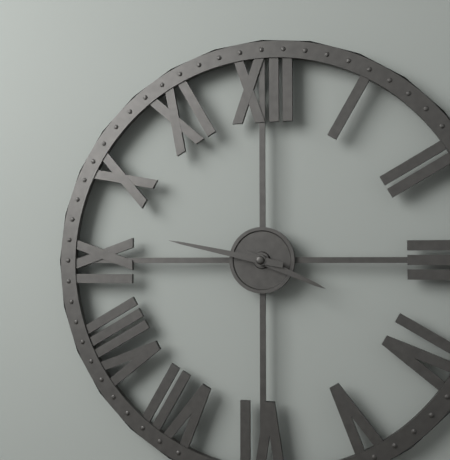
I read 3h47
